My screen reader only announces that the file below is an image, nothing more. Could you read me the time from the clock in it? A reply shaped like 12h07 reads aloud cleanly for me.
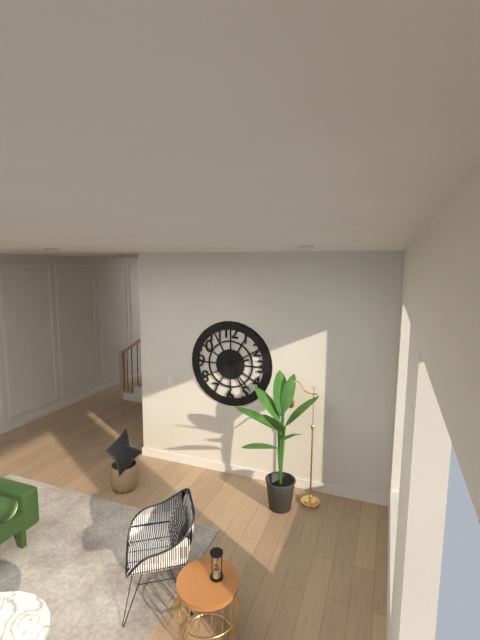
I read 2h23
